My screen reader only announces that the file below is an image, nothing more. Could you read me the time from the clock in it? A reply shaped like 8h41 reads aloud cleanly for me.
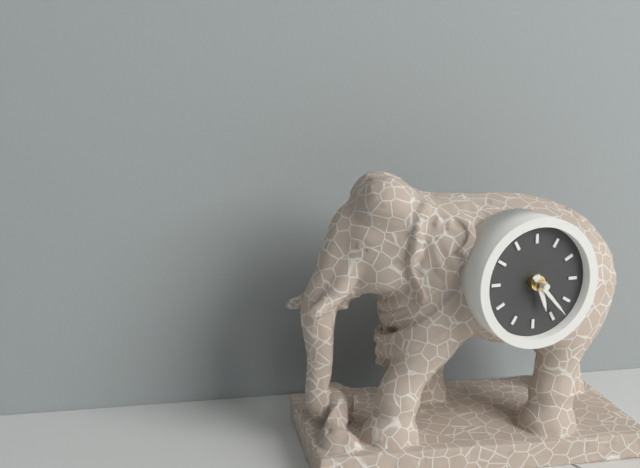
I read 5h23
